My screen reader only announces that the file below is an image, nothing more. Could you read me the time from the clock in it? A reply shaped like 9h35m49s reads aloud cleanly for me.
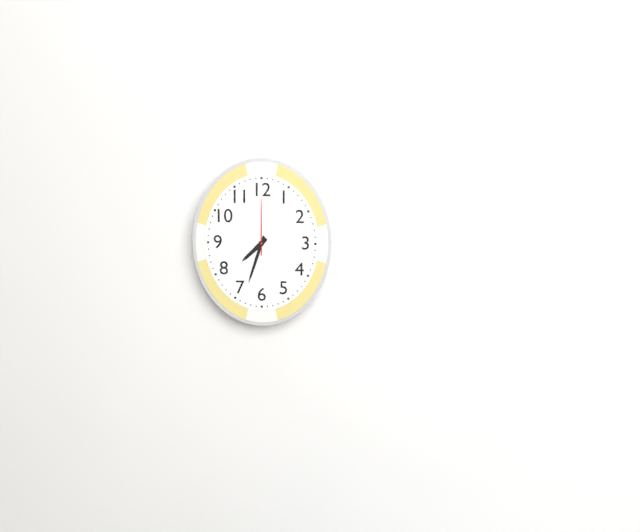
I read 7h33m00s
